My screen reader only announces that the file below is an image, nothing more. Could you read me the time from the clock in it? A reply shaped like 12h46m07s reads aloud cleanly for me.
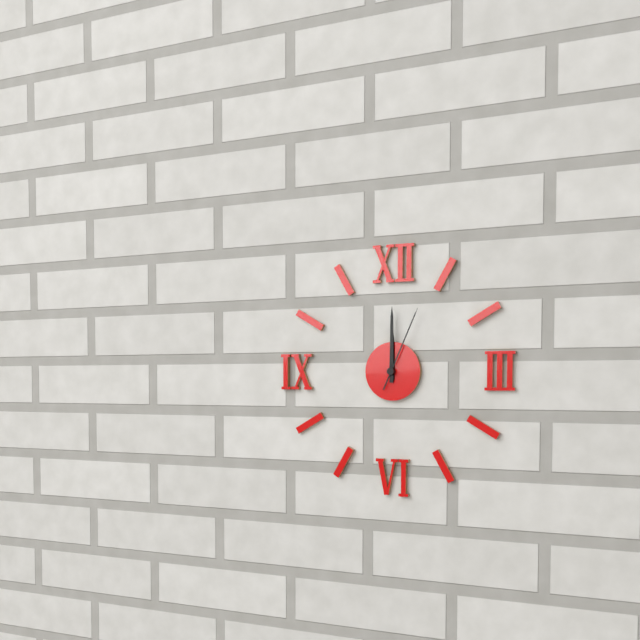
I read 12h00m04s
